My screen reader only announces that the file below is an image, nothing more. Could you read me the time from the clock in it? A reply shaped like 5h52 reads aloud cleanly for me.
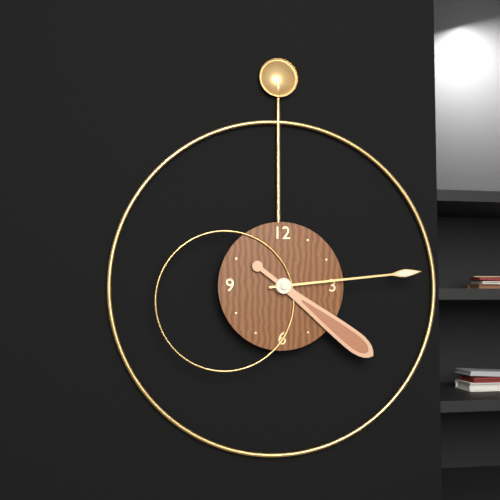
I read 4h14
